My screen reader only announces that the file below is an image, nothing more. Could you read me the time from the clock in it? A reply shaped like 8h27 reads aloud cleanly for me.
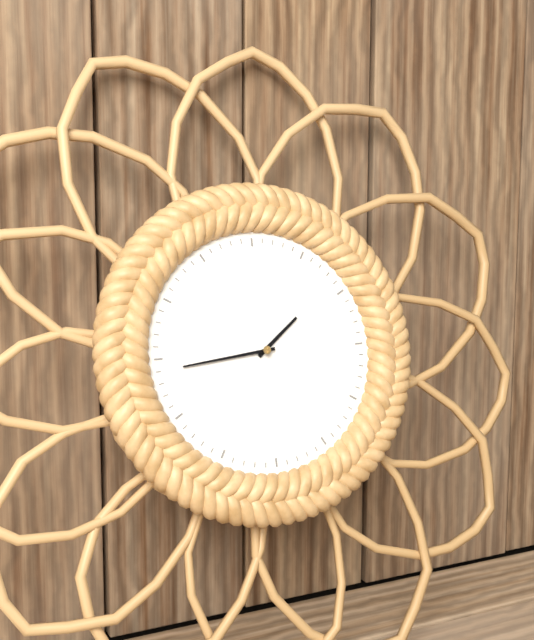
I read 1h44
